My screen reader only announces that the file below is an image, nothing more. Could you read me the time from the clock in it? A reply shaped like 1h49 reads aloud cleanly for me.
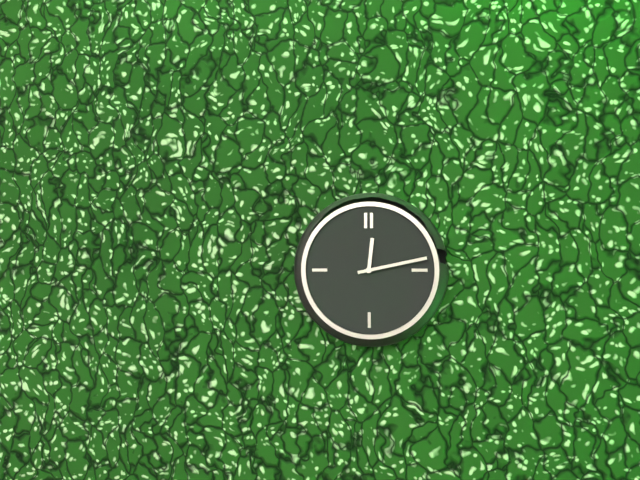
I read 12h13
